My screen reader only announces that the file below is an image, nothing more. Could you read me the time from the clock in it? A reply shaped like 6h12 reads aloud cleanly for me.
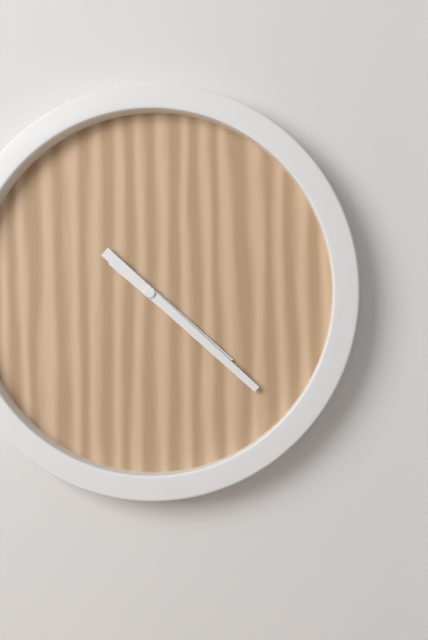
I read 4h22
